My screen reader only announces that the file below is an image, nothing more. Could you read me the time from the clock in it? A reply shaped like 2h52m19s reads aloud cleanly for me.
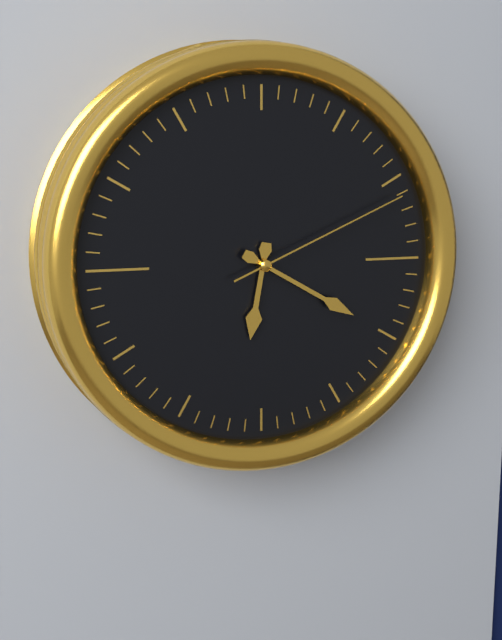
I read 6h20m11s
